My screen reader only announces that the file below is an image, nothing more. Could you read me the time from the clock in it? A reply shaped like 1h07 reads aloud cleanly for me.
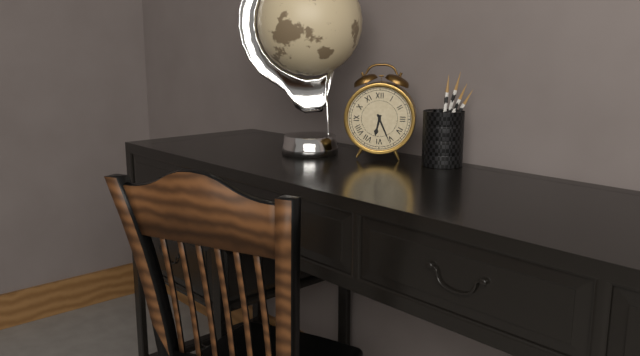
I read 6h26
